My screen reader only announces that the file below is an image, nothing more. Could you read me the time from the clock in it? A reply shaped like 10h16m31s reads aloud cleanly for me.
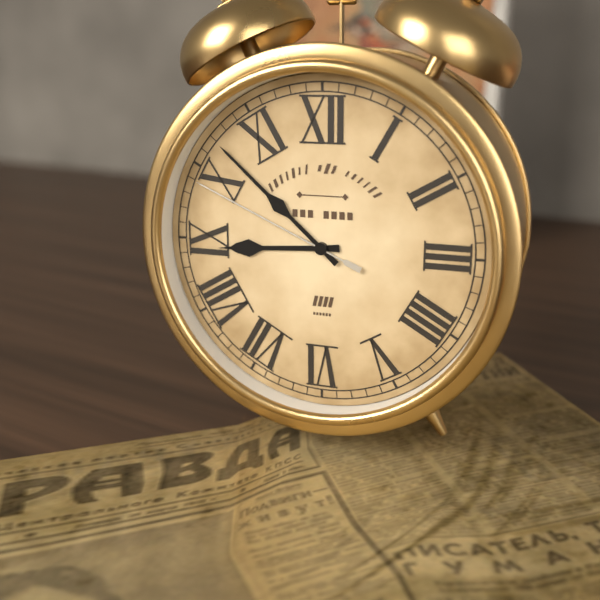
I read 8h52m49s
